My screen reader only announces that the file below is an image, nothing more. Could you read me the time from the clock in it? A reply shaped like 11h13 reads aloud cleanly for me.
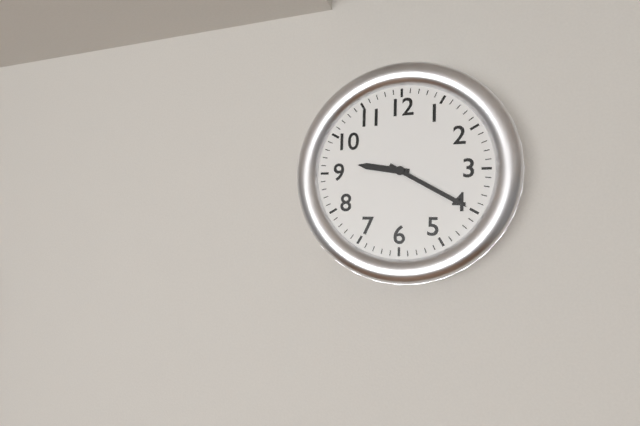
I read 9h20
